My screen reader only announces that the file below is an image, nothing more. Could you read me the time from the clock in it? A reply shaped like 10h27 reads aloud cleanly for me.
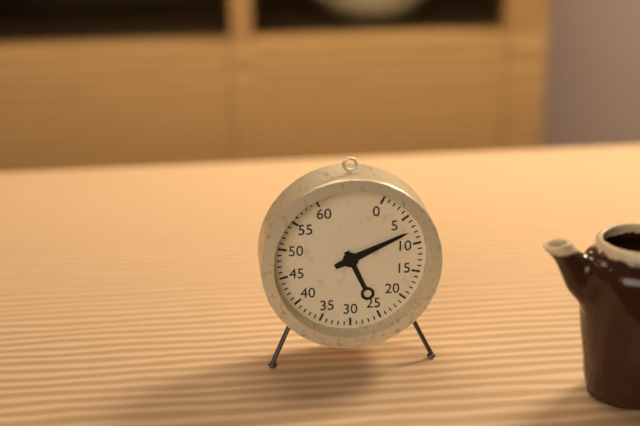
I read 5h11
